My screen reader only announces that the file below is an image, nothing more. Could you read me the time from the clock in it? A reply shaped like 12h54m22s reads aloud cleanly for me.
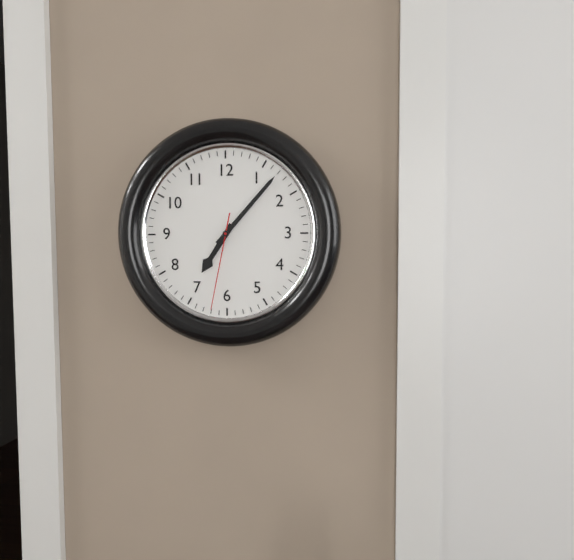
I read 7h07m32s
